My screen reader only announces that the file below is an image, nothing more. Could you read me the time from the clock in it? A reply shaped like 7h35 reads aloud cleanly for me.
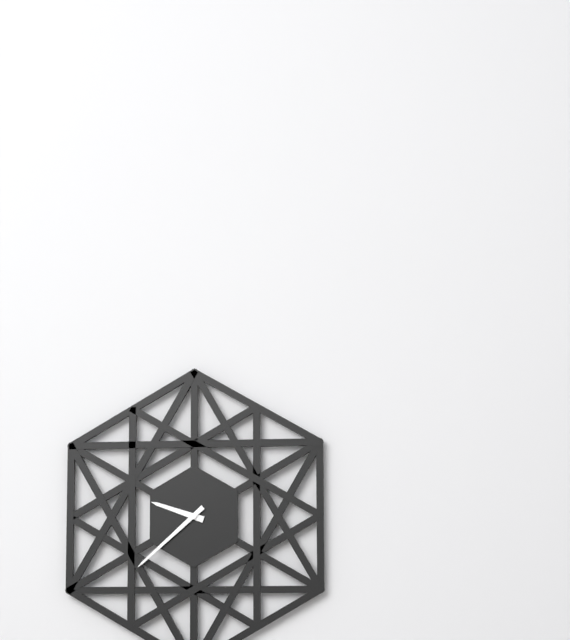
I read 9h38
